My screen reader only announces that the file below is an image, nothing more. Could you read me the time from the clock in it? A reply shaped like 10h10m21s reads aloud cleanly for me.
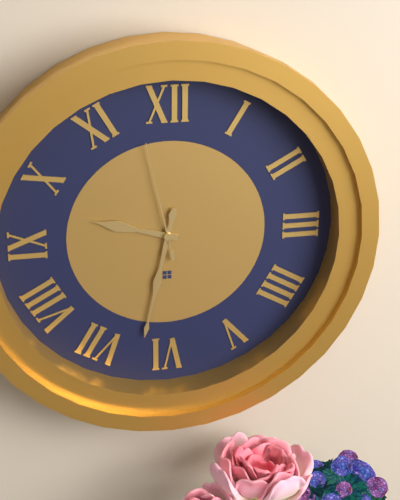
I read 9h32m58s
